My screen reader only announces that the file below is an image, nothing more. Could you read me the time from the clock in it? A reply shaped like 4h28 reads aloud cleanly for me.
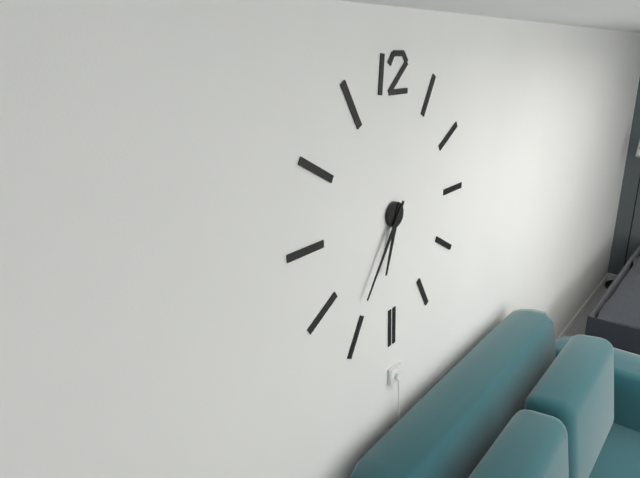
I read 6h36
